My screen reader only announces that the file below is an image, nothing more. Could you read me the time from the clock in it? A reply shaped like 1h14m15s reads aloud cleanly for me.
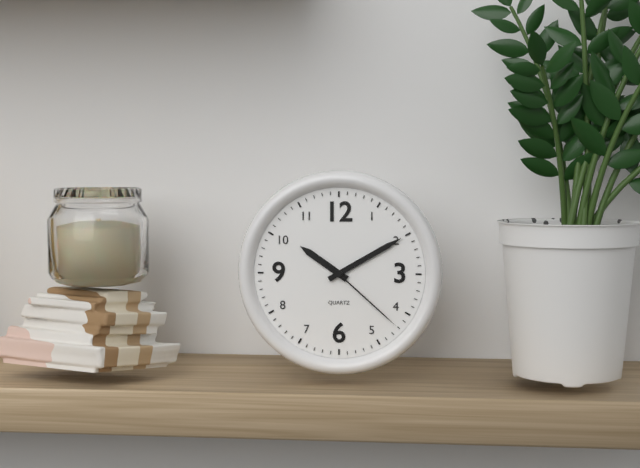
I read 10h10m22s
